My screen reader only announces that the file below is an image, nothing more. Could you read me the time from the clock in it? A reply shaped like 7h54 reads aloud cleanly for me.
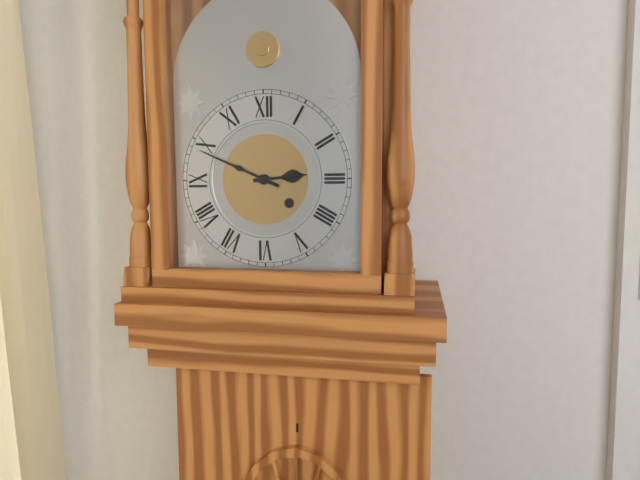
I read 2h49
